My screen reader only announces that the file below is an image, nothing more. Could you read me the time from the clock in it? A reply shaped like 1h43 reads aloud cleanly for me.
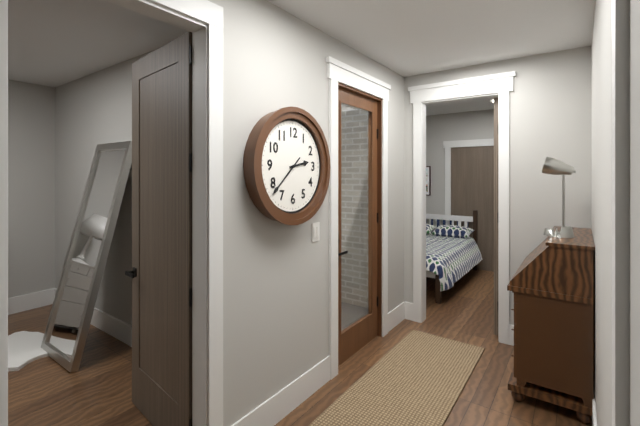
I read 2h38
